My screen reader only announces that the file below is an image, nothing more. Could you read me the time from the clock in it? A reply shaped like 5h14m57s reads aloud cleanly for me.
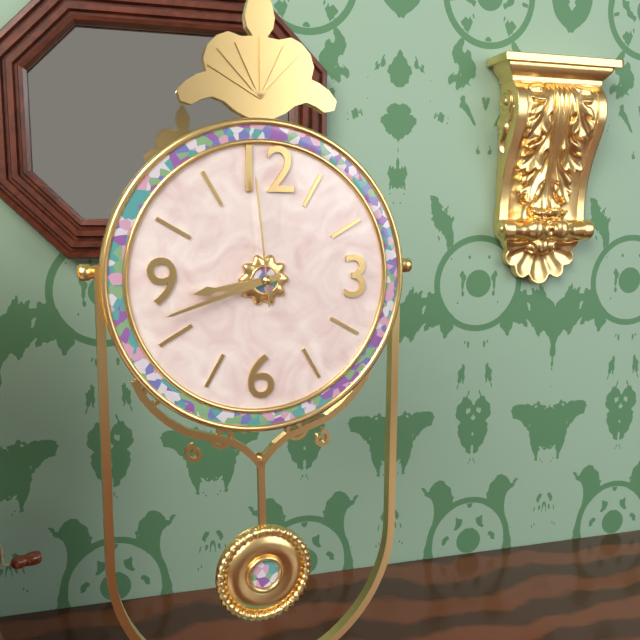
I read 8h42m59s
